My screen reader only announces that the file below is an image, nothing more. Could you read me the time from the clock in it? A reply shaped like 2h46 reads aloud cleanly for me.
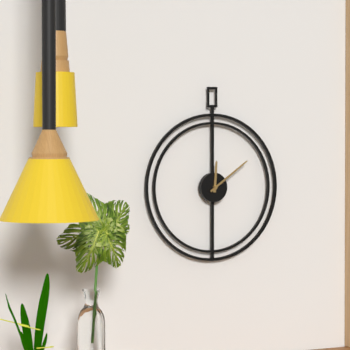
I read 12h09
